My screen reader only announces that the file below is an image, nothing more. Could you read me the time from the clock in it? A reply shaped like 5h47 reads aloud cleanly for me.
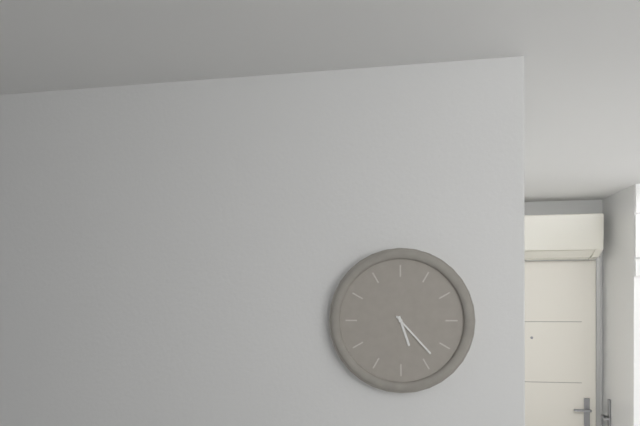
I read 5h23
